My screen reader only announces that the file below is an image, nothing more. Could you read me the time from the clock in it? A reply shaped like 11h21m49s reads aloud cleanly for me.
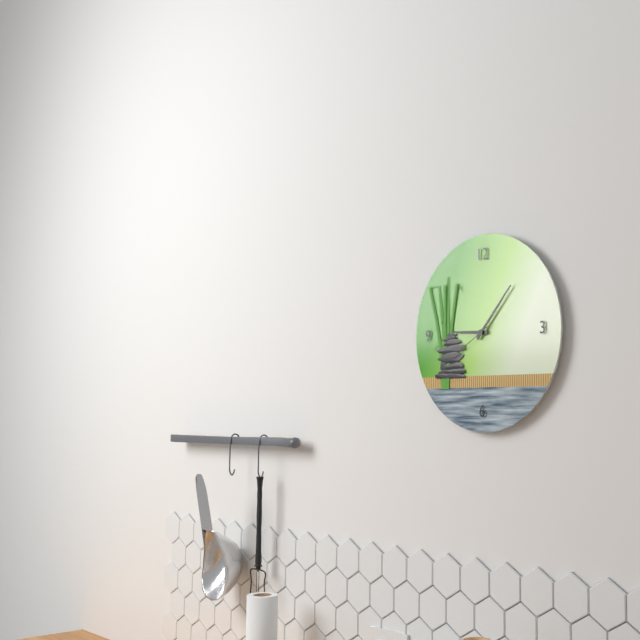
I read 9h07m40s
